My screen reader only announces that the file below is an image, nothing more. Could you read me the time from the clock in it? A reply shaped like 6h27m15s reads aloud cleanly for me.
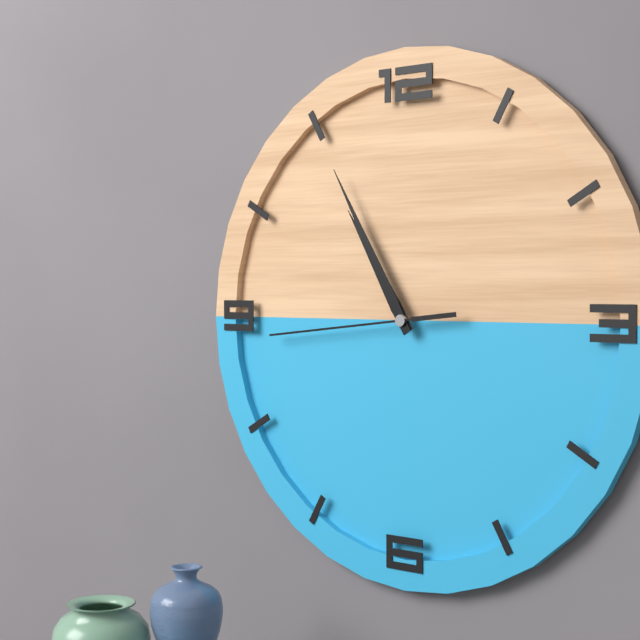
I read 10h55m44s
